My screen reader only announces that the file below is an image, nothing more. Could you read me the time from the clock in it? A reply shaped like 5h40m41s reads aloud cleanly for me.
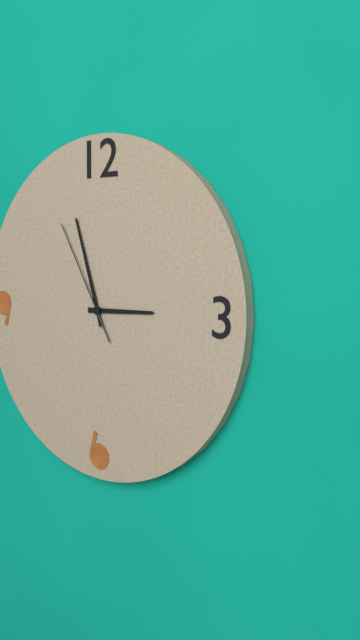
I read 2h57m55s
